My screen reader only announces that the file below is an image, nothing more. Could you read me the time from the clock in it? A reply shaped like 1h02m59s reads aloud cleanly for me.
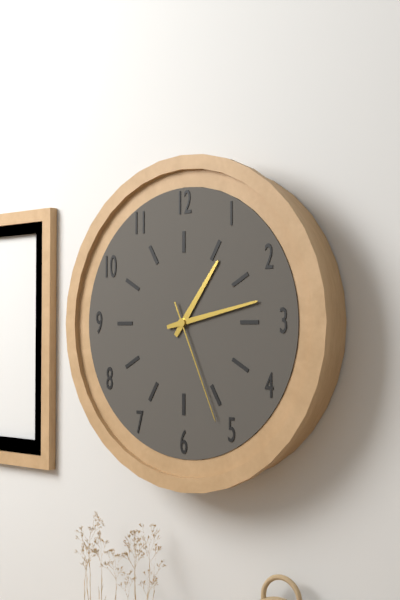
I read 1h13m26s
